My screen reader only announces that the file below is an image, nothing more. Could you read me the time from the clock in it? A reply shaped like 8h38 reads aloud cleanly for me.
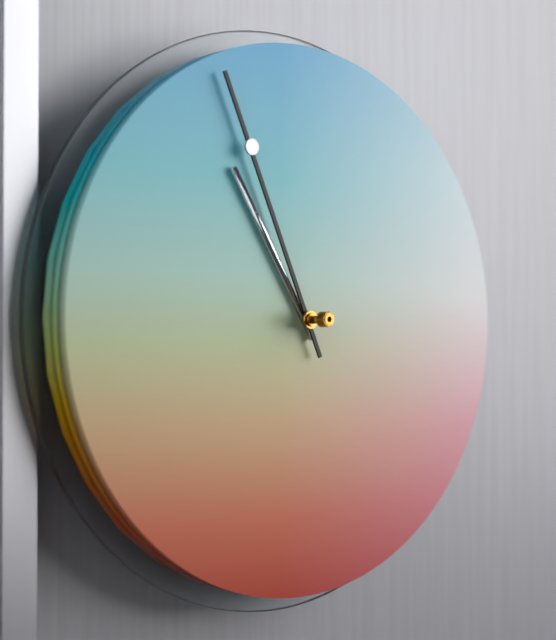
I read 10h56
